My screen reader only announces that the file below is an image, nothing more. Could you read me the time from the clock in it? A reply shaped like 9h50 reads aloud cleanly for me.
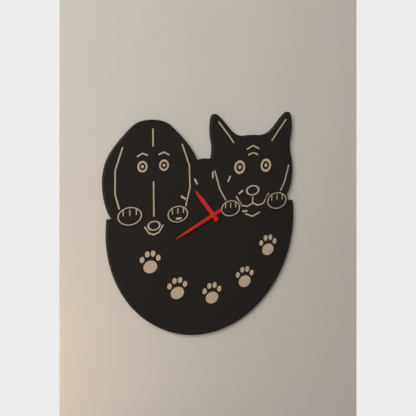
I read 10h41
